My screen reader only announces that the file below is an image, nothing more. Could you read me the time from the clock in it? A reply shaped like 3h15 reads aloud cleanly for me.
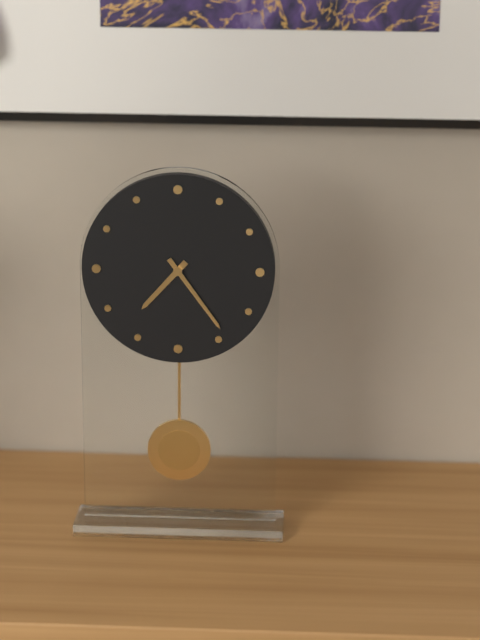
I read 7h24
